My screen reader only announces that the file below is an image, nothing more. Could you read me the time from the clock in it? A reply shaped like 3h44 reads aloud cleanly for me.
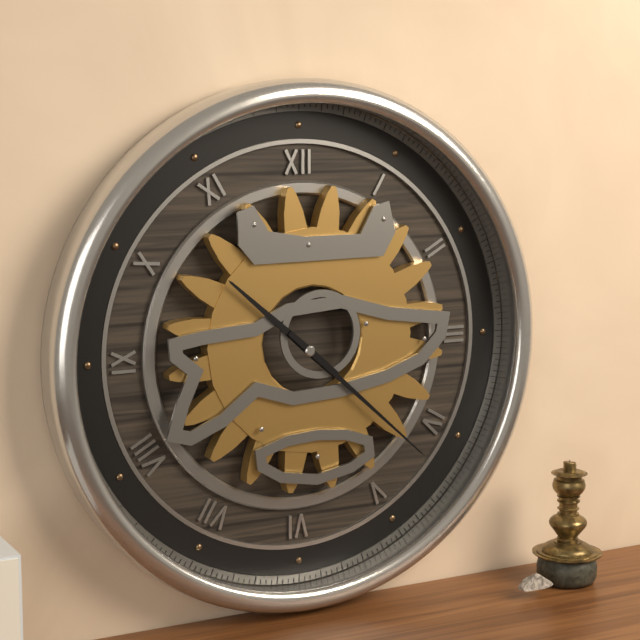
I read 10h22
